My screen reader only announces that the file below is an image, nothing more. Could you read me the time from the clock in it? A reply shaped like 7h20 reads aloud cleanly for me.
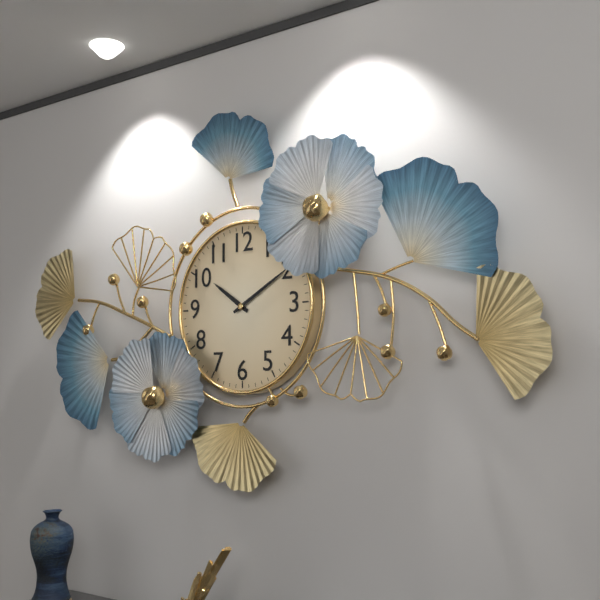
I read 10h10
